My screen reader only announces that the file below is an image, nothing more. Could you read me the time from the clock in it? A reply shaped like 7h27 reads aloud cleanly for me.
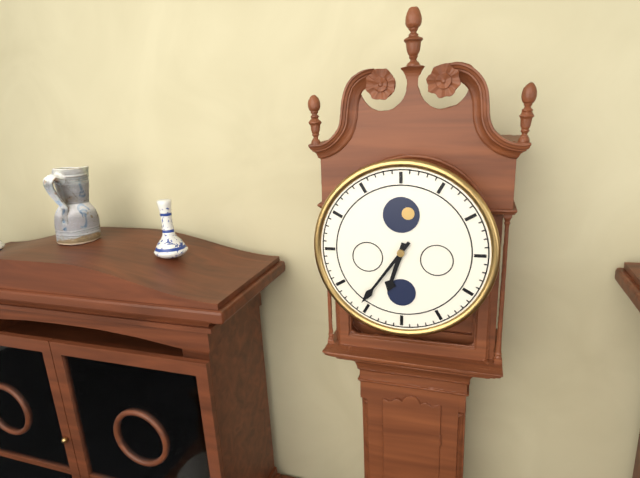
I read 6h36
